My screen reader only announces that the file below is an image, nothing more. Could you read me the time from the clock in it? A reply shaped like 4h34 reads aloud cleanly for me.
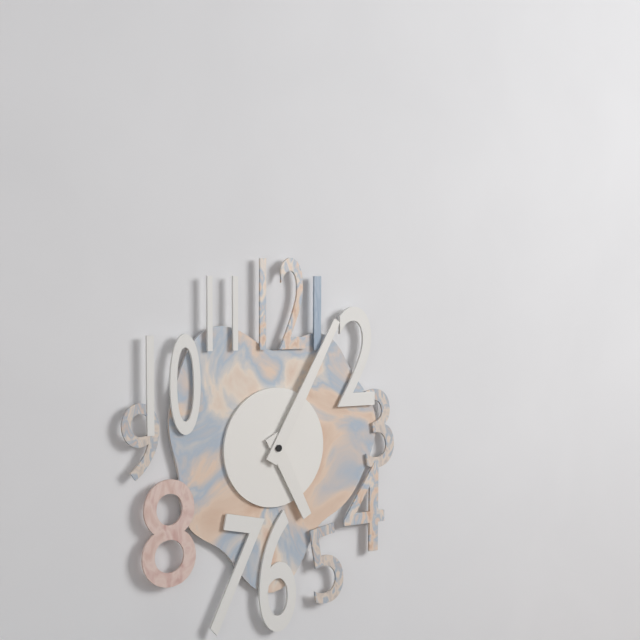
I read 5h05
